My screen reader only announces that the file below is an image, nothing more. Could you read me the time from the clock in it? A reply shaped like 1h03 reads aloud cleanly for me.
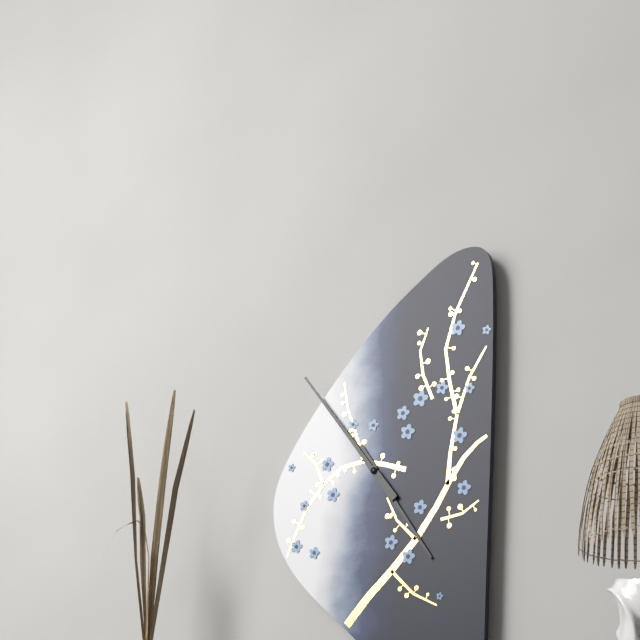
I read 4h54
